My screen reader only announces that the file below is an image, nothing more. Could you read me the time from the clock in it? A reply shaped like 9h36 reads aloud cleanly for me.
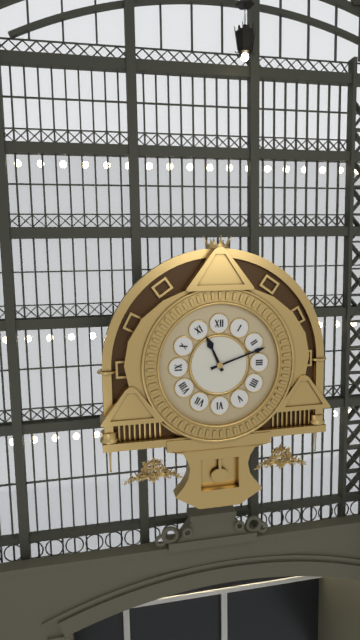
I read 11h12
